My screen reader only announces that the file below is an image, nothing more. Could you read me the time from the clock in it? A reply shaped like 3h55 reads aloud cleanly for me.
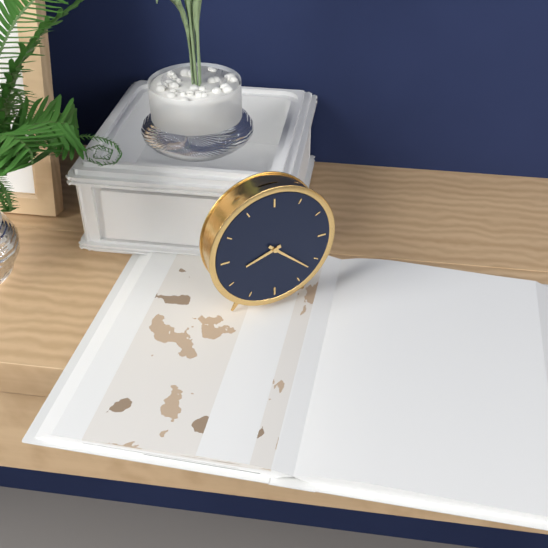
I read 8h22
